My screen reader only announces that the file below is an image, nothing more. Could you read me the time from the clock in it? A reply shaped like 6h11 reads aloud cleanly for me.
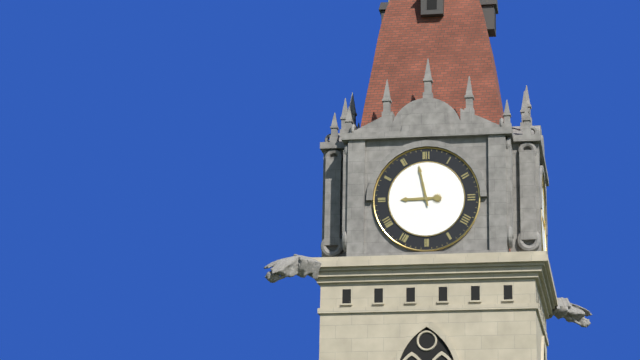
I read 8h58
